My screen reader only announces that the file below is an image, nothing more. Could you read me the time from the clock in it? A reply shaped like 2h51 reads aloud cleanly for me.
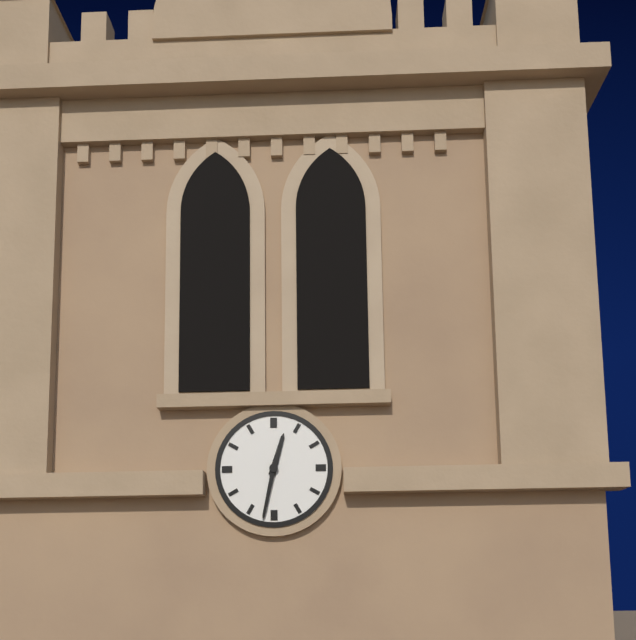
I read 12h32
